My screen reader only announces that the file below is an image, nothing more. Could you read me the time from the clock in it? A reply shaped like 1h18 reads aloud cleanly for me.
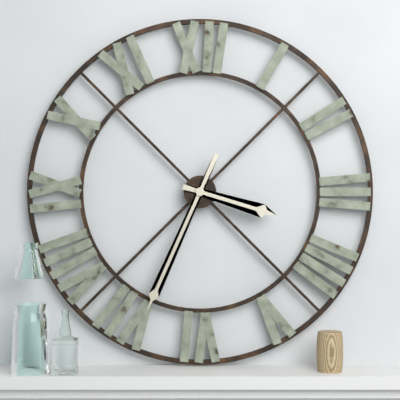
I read 3h34
